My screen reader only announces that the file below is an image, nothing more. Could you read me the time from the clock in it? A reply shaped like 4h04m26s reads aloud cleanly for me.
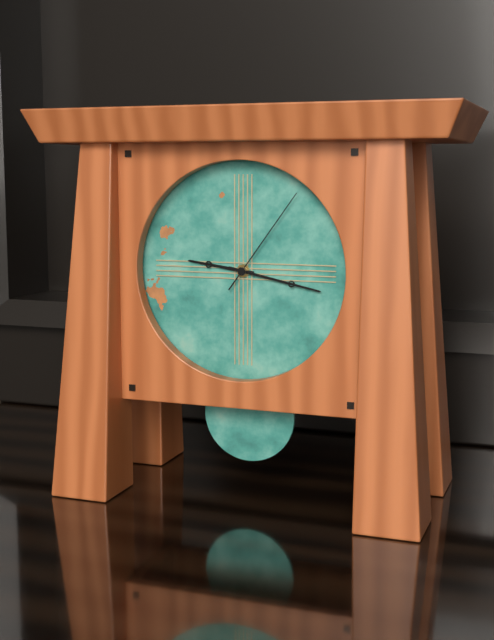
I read 9h17m06s
